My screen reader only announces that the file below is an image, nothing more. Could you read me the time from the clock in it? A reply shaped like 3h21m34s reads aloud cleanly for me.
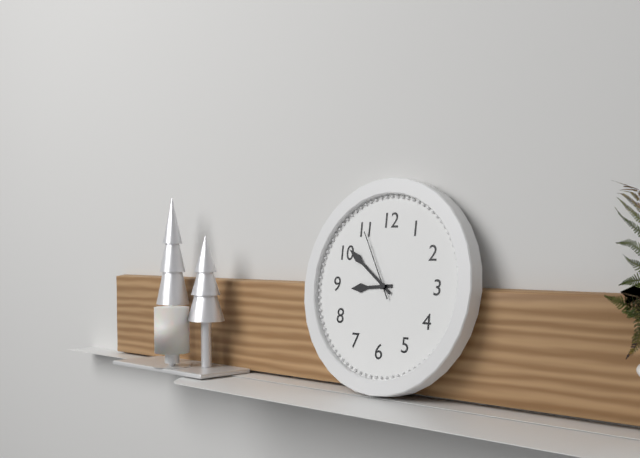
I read 8h51m55s
